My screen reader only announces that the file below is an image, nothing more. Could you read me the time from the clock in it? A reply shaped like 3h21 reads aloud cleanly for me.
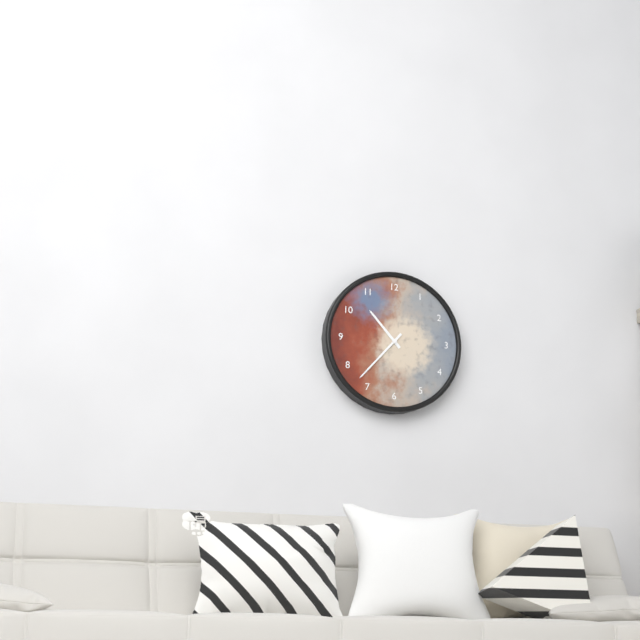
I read 10h37
